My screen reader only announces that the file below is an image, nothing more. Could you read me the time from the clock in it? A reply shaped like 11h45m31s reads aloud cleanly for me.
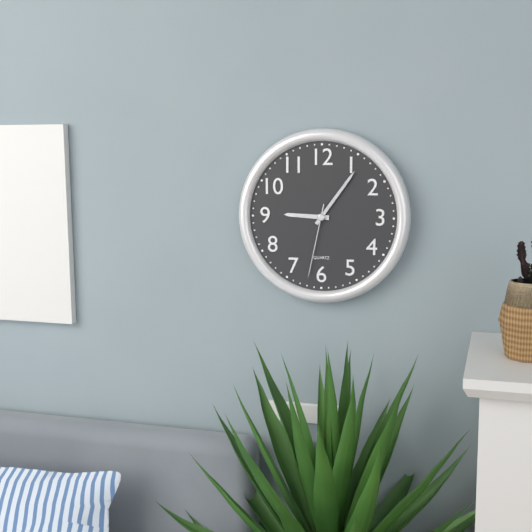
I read 9h06m32s
